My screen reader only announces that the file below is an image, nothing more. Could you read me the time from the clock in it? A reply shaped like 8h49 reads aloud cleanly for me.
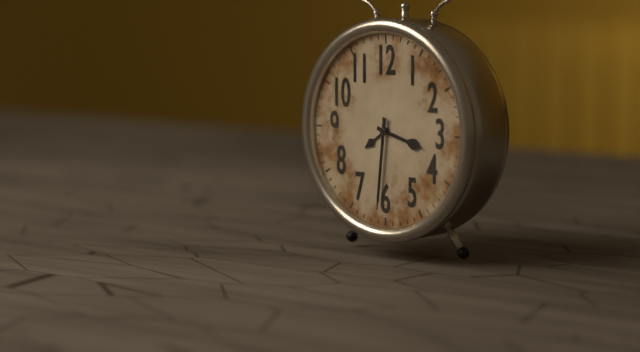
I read 3h31
